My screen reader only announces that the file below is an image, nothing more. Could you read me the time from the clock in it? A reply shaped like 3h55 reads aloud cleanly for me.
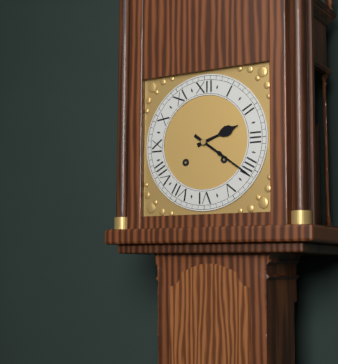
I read 2h21
